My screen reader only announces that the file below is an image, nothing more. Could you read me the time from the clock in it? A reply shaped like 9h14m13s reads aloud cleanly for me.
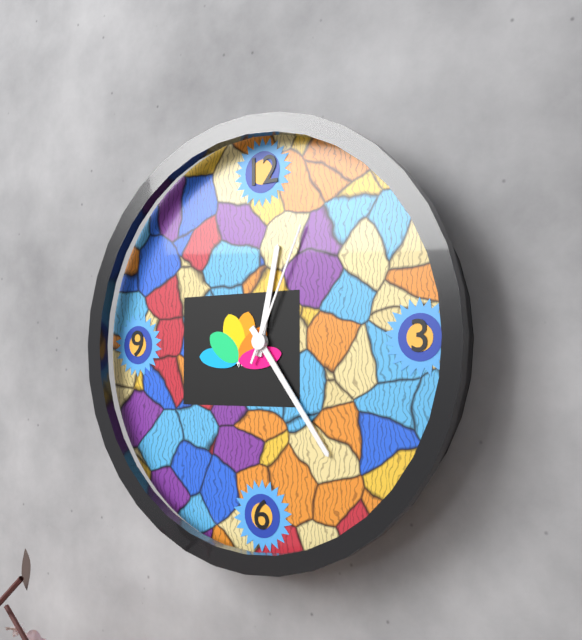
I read 12h24m04s
